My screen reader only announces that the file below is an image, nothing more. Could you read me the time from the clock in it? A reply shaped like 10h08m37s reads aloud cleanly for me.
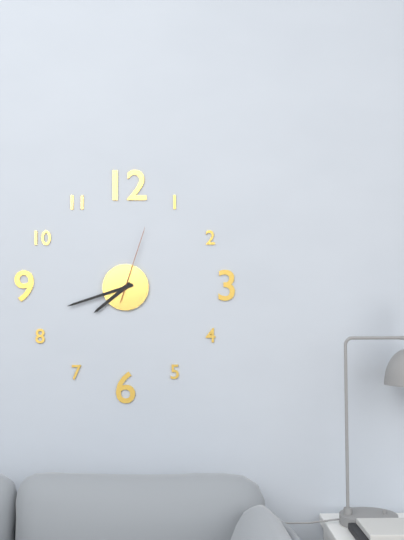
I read 7h42m03s
